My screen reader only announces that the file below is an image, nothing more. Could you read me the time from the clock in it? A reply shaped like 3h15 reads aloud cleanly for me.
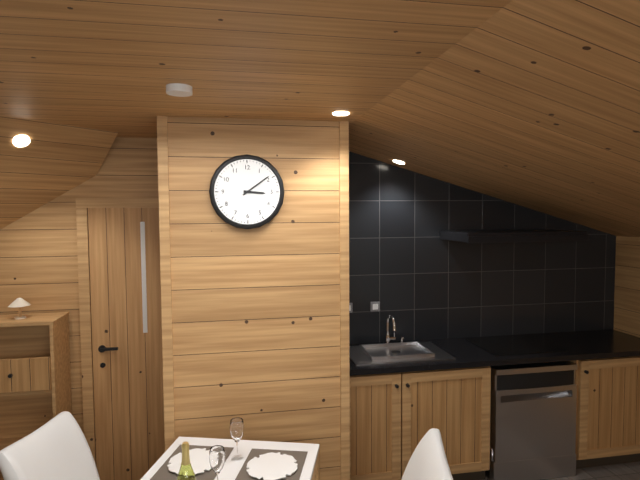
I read 3h09
